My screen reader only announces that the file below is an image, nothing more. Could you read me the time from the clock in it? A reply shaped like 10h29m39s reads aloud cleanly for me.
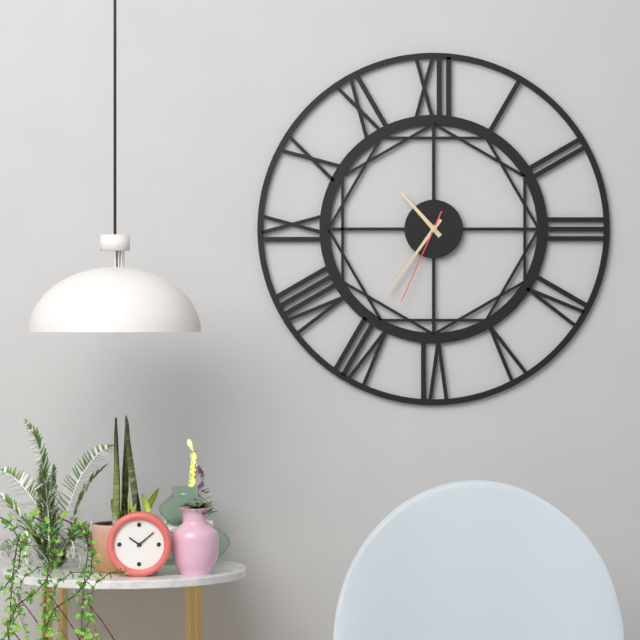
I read 10h36m34s
